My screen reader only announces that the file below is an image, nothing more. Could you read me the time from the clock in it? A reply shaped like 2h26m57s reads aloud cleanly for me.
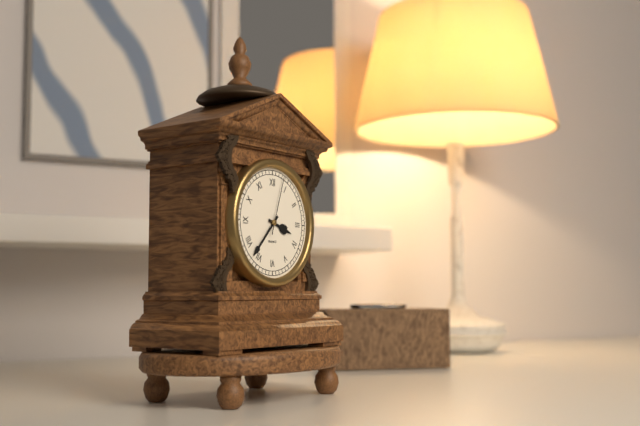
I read 3h37m03s
